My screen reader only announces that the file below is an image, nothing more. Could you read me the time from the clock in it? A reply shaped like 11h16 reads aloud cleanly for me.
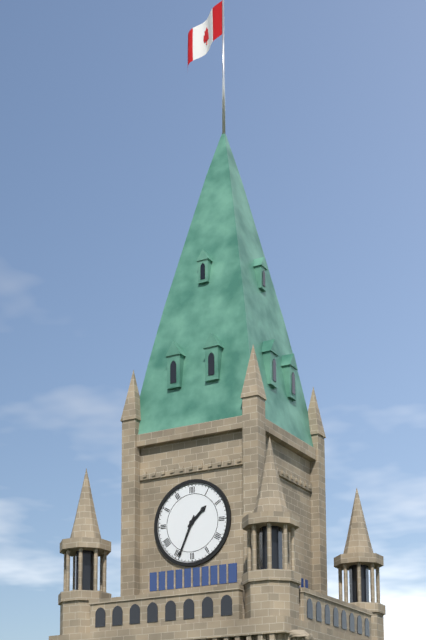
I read 1h34
